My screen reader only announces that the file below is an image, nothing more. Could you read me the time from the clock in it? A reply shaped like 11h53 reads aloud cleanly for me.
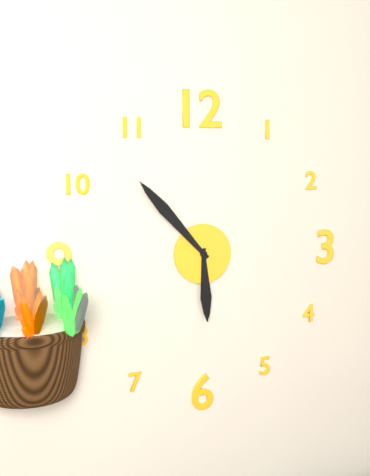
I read 5h53
